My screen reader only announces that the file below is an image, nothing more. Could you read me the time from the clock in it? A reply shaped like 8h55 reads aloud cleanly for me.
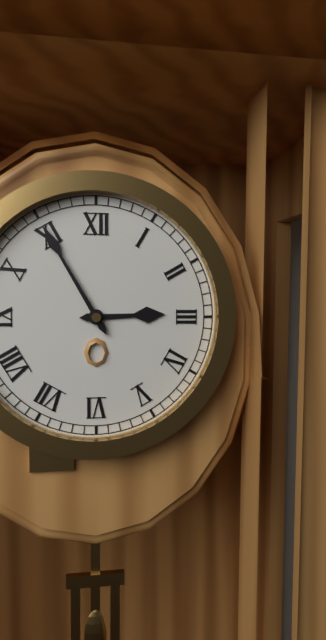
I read 2h55
